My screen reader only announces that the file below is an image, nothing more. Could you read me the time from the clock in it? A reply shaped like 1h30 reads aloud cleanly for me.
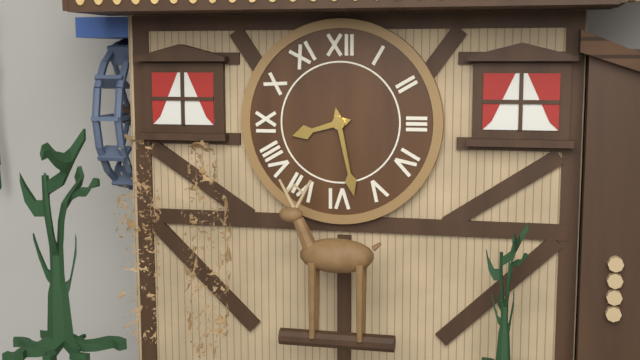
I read 8h28
